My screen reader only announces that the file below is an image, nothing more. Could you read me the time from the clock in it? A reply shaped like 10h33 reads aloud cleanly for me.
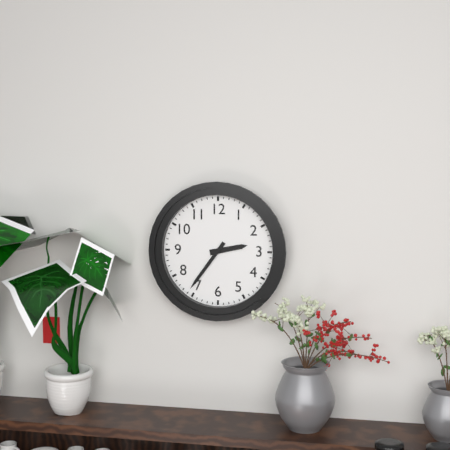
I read 2h36
